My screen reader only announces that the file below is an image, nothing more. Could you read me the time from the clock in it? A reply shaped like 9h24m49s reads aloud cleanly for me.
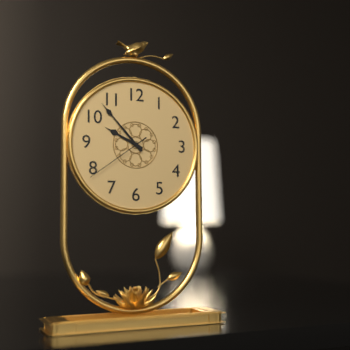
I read 9h53m39s
